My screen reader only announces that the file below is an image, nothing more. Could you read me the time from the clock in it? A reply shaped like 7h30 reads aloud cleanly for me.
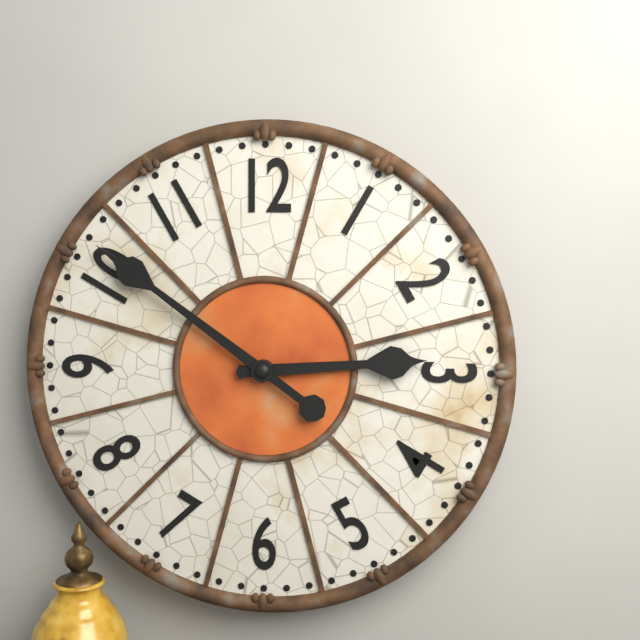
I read 2h51
